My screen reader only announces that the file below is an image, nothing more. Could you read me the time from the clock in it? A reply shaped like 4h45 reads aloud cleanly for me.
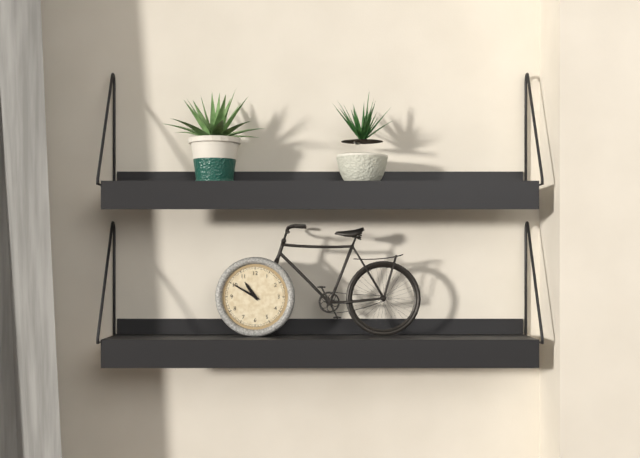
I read 10h50
